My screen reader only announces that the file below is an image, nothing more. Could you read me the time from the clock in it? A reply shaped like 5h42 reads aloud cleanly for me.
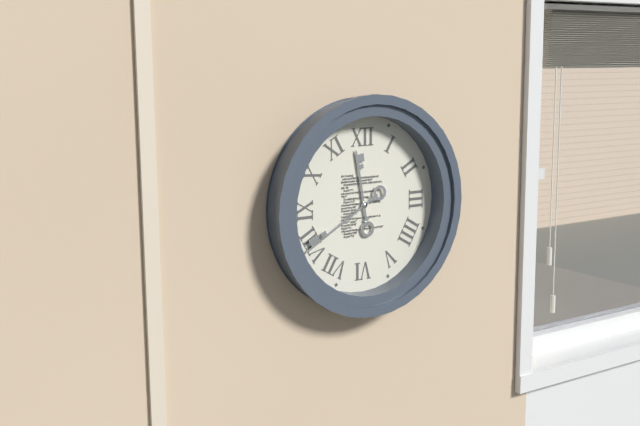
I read 11h40
